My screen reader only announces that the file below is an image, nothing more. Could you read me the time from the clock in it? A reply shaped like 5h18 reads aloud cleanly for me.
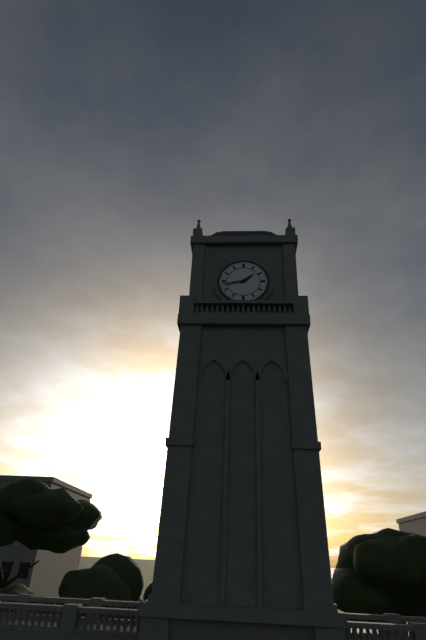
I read 1h43
